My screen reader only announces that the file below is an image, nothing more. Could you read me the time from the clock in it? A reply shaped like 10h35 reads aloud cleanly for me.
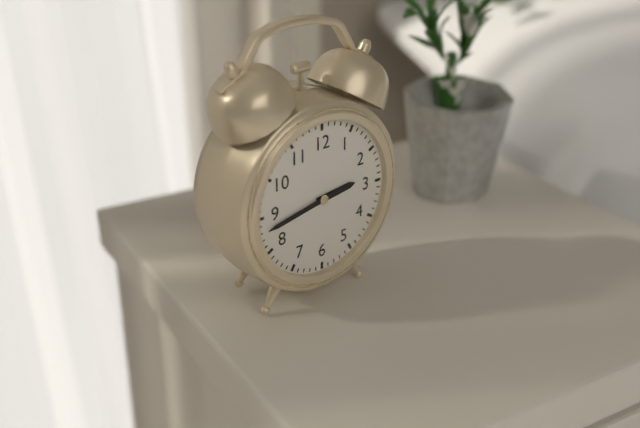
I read 2h43
